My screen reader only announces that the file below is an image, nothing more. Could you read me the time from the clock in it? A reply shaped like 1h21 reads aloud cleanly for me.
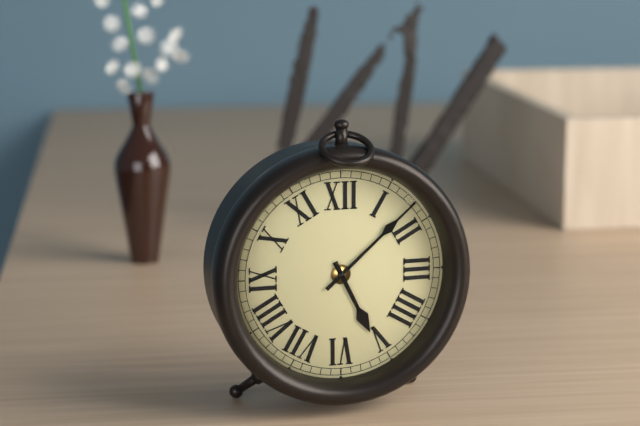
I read 5h08
